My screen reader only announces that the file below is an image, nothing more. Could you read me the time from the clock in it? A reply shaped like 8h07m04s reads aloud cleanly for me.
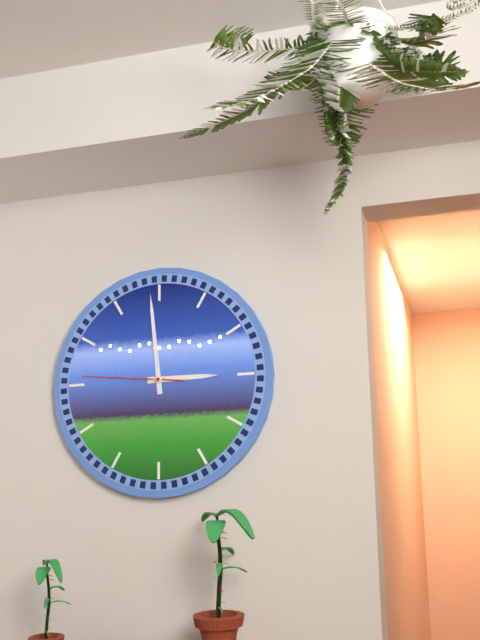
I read 2h59m46s
